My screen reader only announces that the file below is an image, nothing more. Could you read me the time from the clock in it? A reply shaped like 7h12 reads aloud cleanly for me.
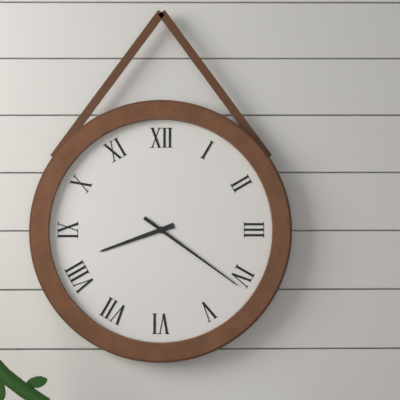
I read 8h21
